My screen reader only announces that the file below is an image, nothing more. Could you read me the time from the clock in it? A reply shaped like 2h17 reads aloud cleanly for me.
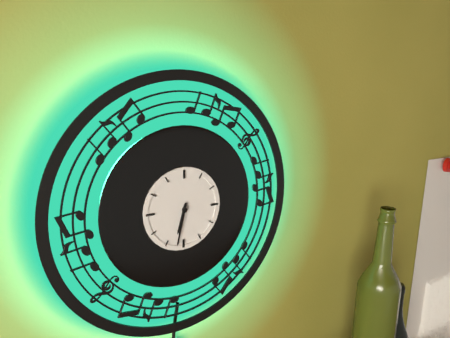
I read 6h32
